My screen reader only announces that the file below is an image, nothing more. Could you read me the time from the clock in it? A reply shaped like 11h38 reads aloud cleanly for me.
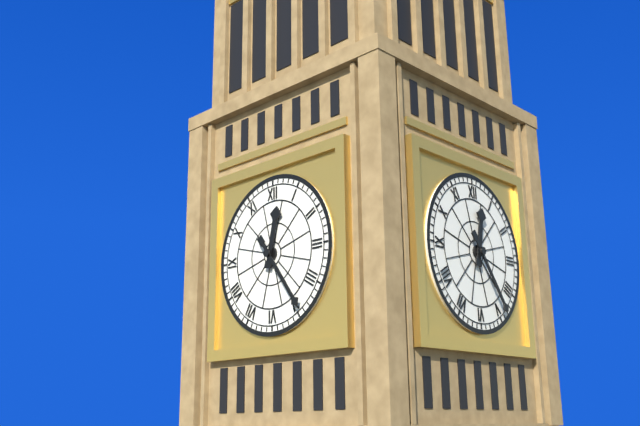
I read 12h24
